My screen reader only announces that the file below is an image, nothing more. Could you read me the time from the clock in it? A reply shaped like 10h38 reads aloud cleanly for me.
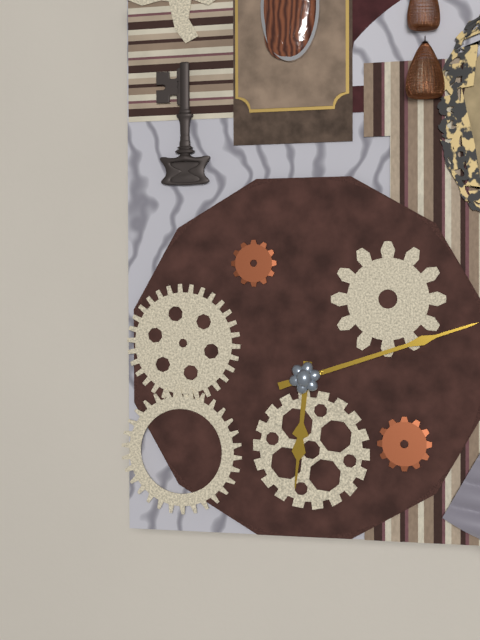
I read 6h12
